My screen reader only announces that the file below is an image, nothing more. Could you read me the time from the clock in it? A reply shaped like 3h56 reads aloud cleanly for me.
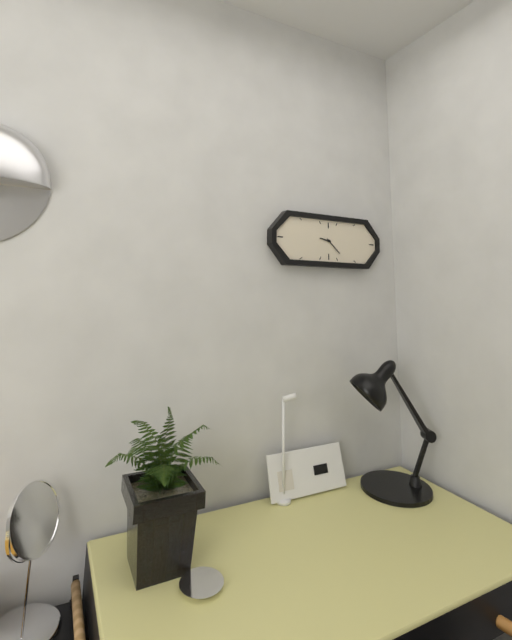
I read 9h22
